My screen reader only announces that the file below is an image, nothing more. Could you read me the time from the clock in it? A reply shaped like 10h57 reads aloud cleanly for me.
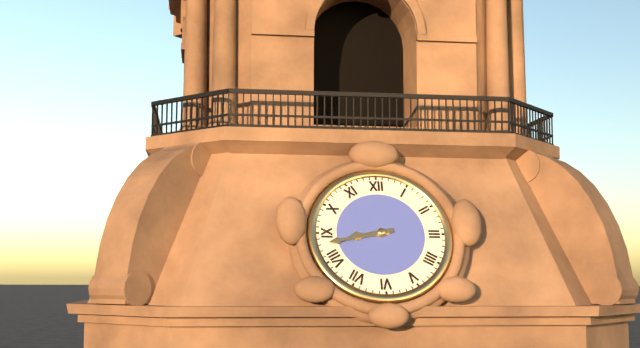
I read 8h43
